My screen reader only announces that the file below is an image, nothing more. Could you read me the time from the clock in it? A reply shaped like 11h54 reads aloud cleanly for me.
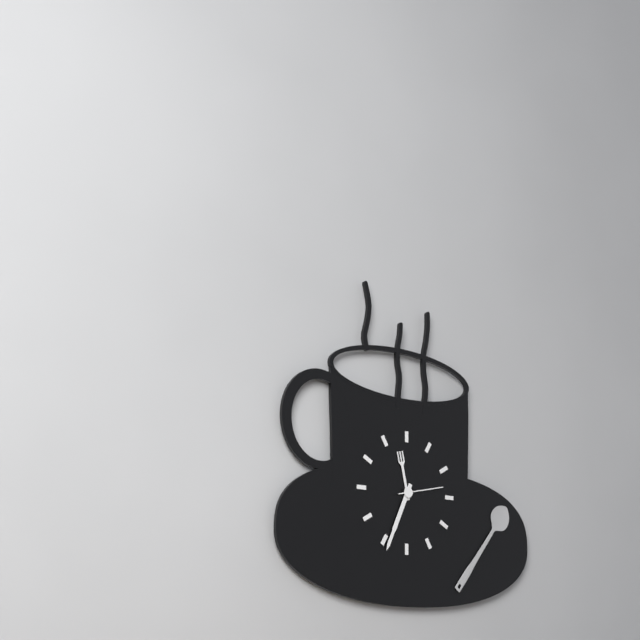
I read 11h34
